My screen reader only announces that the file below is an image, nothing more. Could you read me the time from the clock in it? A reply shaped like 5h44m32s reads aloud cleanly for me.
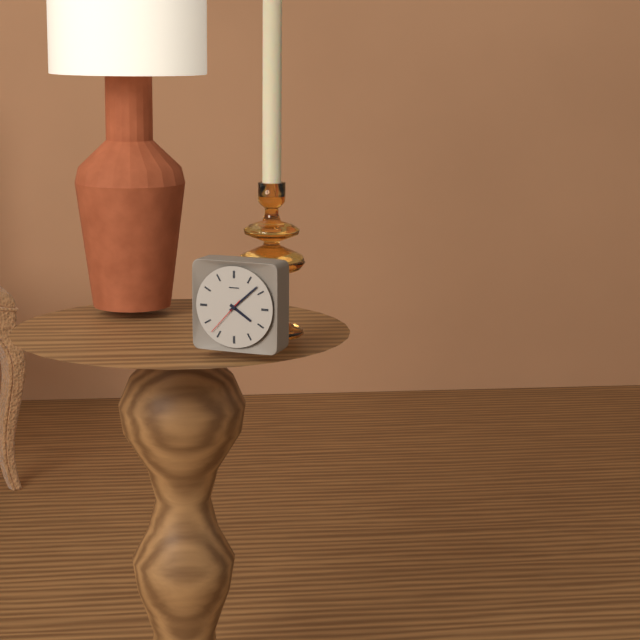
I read 4h08m37s
